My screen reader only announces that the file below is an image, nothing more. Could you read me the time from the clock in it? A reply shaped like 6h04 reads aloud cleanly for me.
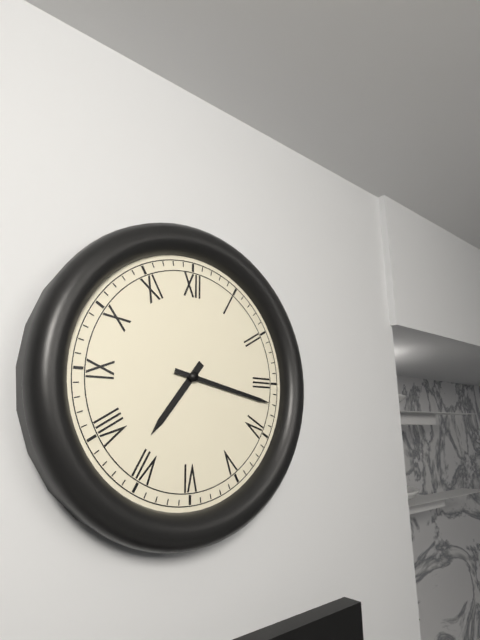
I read 7h17
